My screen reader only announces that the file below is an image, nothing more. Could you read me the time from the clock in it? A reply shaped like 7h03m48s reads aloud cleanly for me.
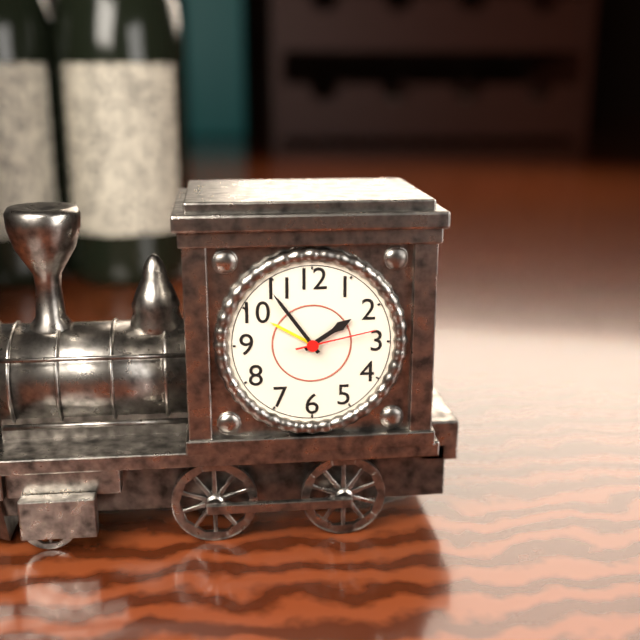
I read 1h54m13s
